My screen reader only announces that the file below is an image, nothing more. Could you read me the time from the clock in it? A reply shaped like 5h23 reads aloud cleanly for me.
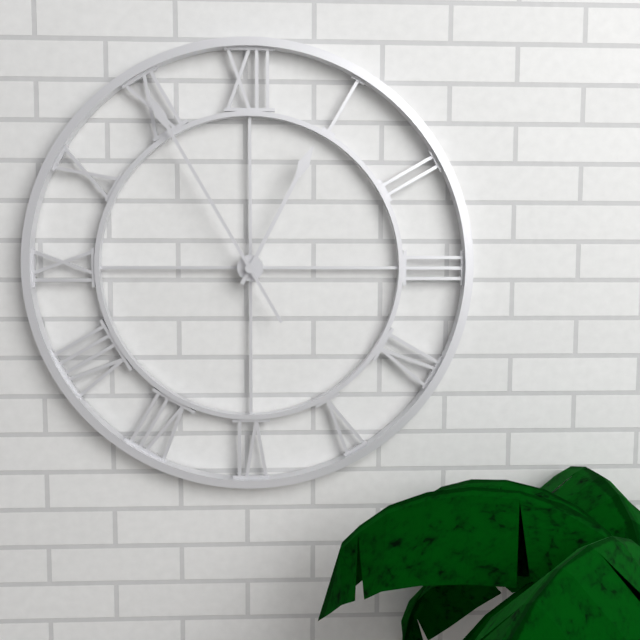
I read 12h55
